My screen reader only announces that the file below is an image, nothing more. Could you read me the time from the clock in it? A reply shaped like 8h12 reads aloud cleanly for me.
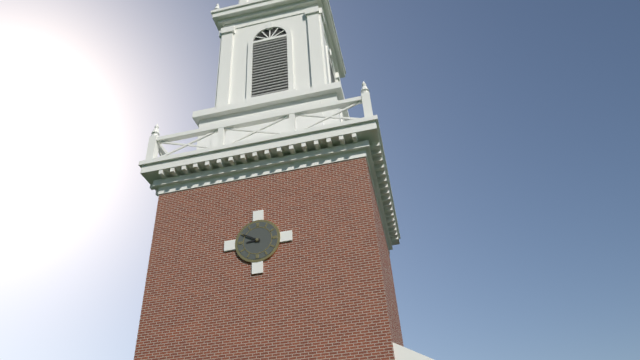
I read 8h50
